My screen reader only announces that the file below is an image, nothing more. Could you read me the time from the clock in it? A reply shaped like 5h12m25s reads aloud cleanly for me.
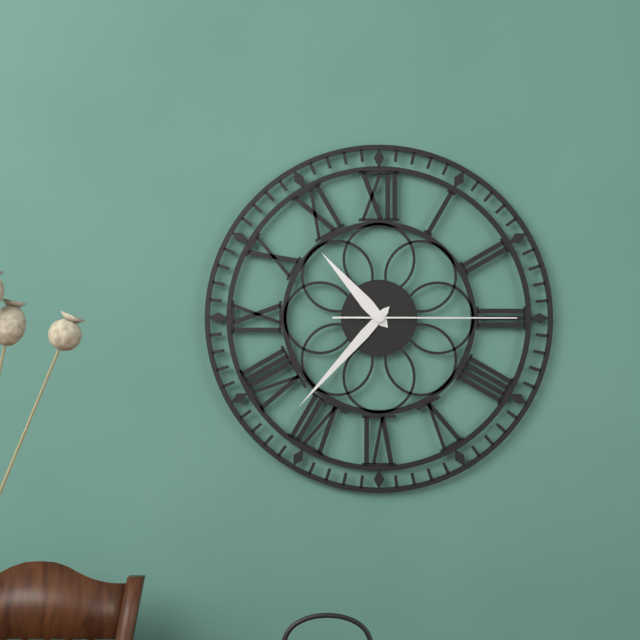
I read 10h37m15s
